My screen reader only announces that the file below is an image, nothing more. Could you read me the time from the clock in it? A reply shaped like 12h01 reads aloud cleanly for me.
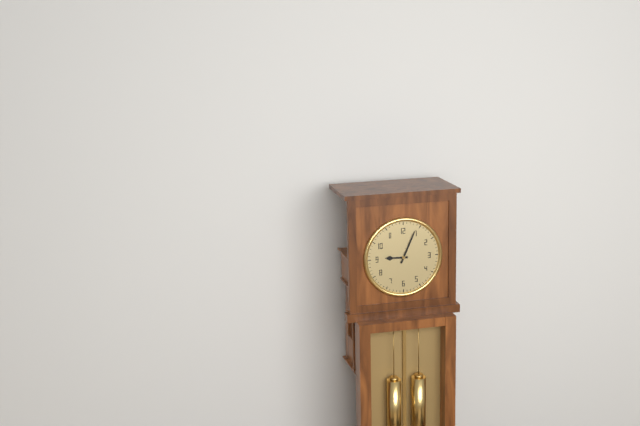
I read 9h04
